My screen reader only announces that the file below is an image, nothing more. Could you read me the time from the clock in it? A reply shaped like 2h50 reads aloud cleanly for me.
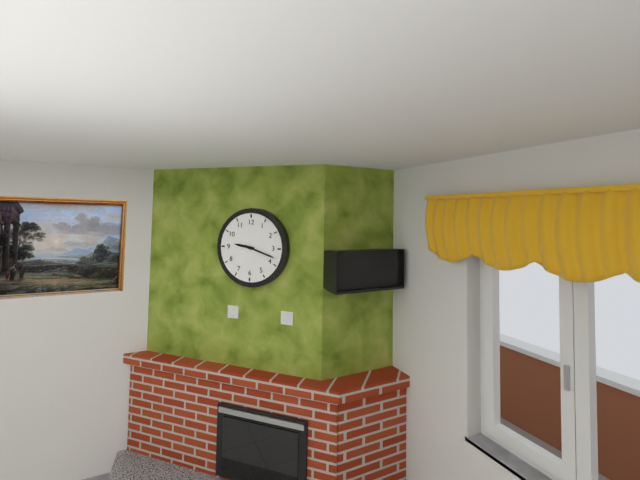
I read 9h18
